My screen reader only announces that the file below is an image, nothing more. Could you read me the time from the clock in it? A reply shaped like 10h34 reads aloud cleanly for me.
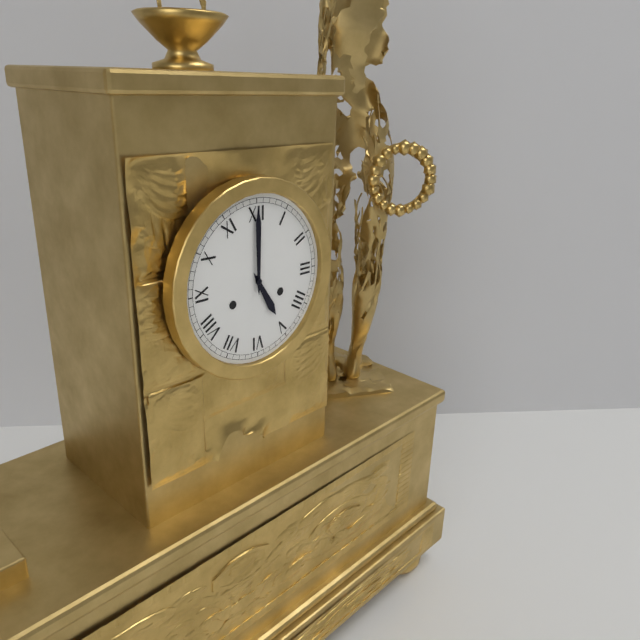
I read 5h00
